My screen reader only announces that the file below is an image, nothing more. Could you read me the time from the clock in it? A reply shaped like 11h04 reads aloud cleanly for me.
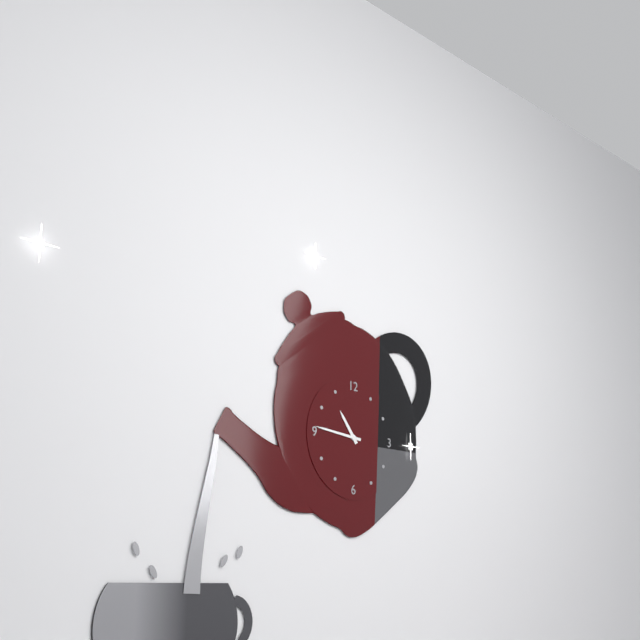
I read 10h46
